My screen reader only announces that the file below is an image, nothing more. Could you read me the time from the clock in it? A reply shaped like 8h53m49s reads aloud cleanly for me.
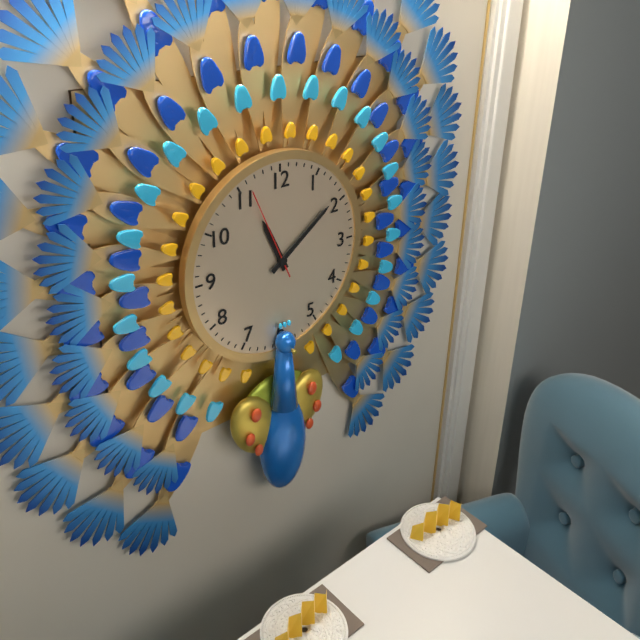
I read 11h09m56s
